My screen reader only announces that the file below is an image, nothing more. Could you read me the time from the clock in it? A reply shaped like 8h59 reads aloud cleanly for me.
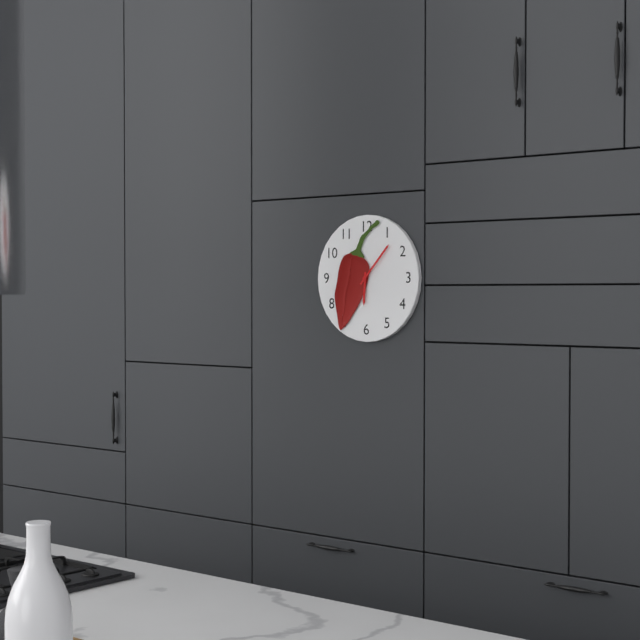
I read 6h07
